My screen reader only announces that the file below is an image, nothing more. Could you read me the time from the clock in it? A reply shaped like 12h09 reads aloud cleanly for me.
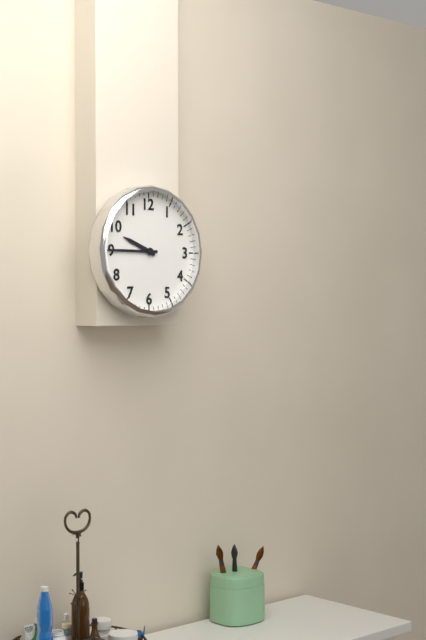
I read 9h45
